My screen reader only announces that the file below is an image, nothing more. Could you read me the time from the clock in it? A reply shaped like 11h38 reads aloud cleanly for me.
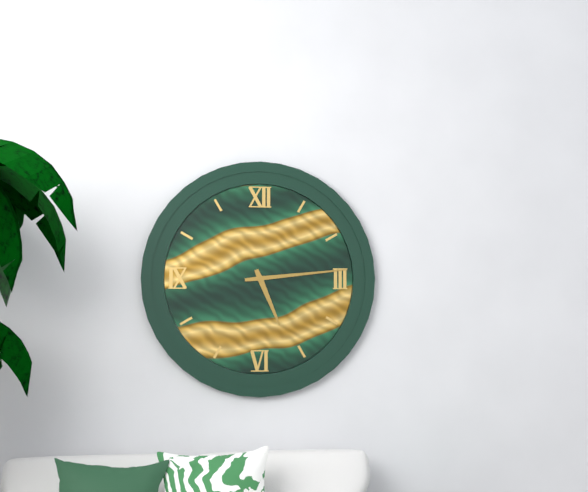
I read 5h14
